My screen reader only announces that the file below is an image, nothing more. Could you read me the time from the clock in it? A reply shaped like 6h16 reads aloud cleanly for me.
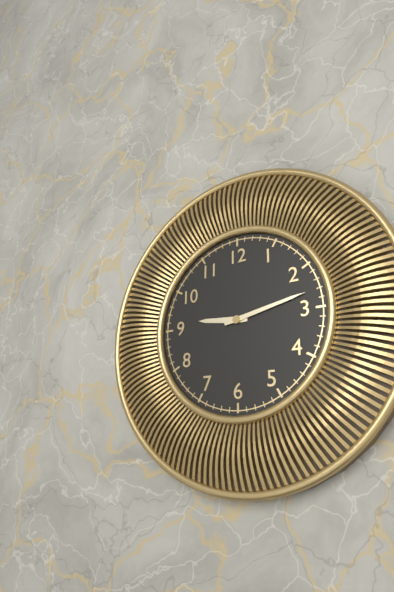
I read 9h13
